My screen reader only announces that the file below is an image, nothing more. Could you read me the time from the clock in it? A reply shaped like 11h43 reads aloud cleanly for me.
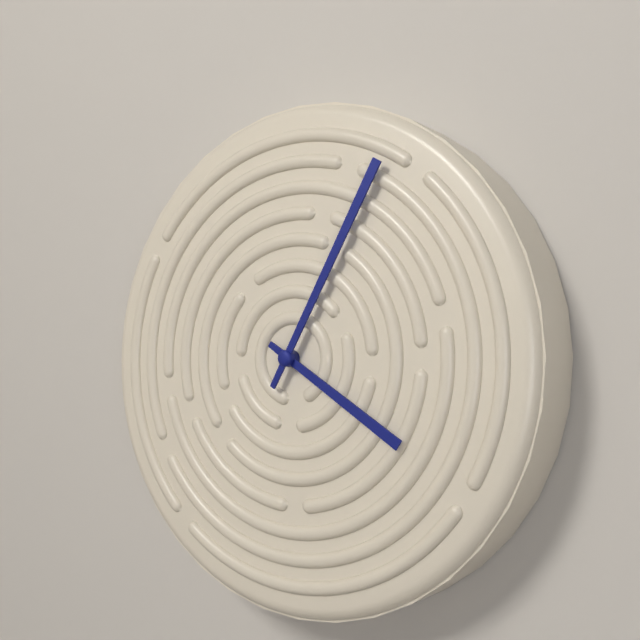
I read 4h05
